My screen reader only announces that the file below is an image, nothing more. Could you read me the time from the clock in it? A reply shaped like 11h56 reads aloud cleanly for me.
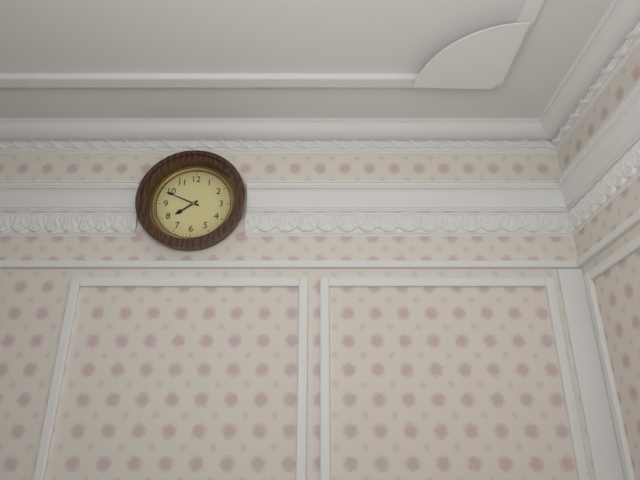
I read 7h49
